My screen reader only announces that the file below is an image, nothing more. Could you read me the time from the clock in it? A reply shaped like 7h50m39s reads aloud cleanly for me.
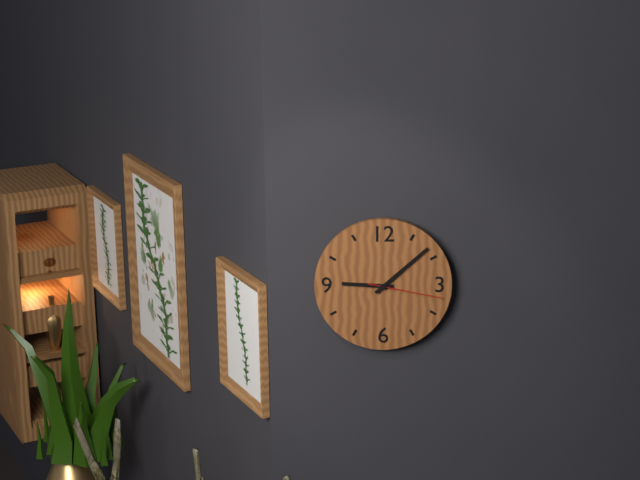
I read 9h08m17s
